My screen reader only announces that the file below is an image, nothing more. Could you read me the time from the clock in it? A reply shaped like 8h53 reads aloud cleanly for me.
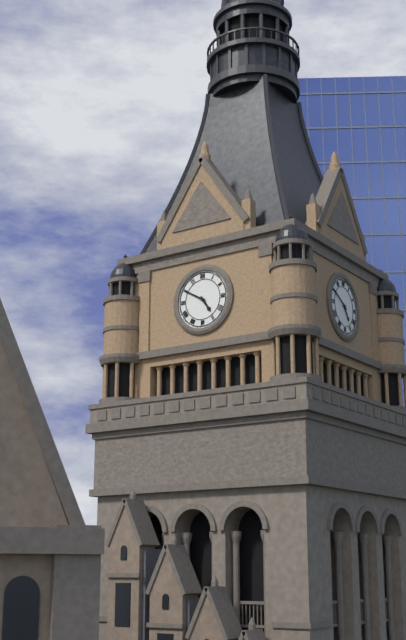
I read 4h50
